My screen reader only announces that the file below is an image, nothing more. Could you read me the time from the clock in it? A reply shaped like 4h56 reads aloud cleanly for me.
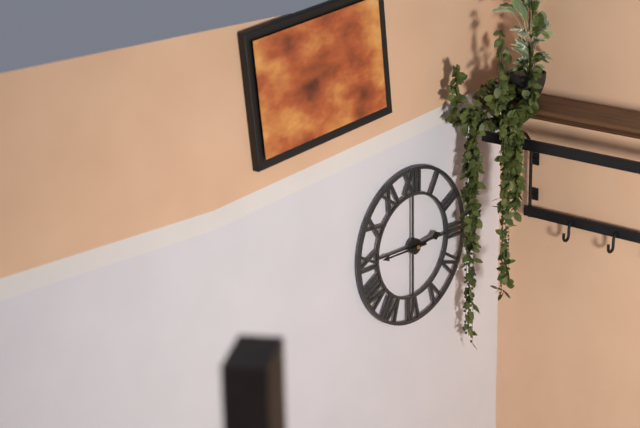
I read 2h45
